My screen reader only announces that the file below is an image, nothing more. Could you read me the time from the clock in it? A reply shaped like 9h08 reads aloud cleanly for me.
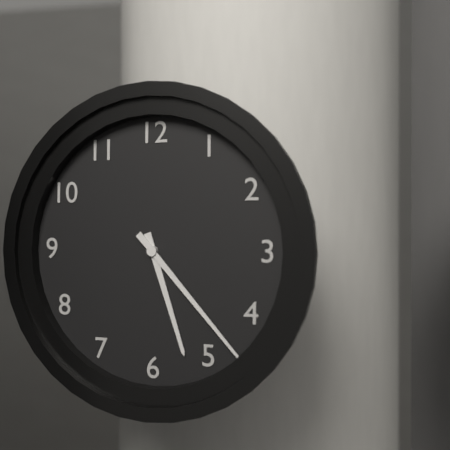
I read 5h23
